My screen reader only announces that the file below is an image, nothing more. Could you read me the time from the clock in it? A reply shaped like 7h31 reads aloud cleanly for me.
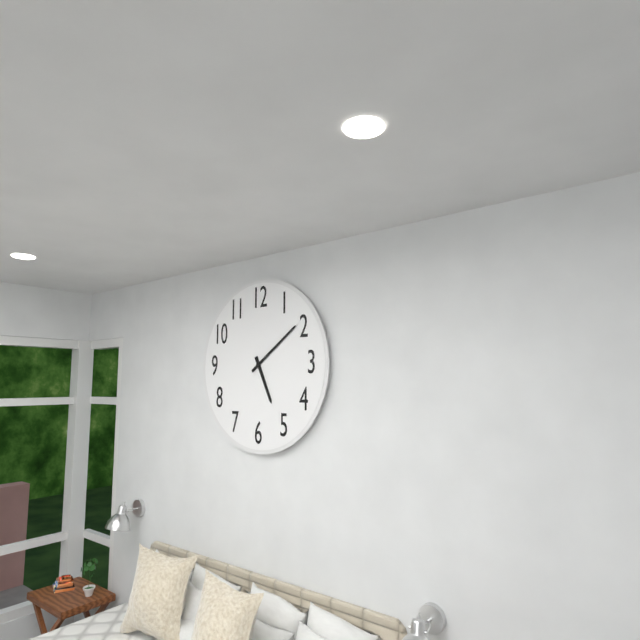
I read 5h09
